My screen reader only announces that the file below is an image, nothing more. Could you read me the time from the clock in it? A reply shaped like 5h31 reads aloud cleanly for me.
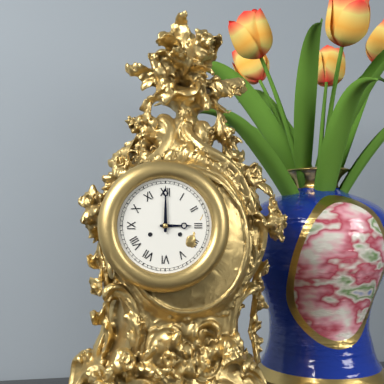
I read 3h00
